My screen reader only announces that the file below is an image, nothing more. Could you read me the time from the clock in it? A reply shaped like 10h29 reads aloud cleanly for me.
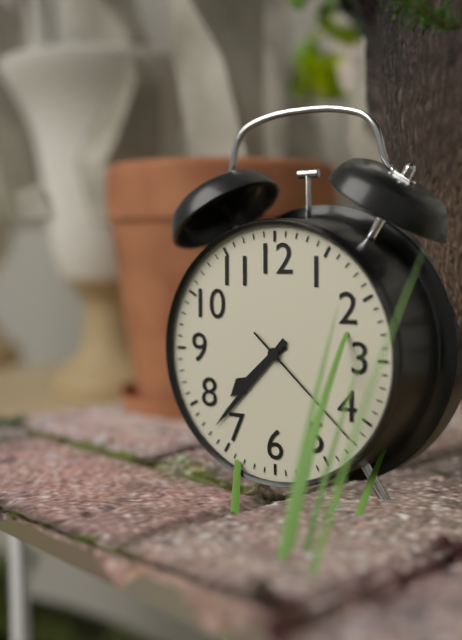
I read 7h37
